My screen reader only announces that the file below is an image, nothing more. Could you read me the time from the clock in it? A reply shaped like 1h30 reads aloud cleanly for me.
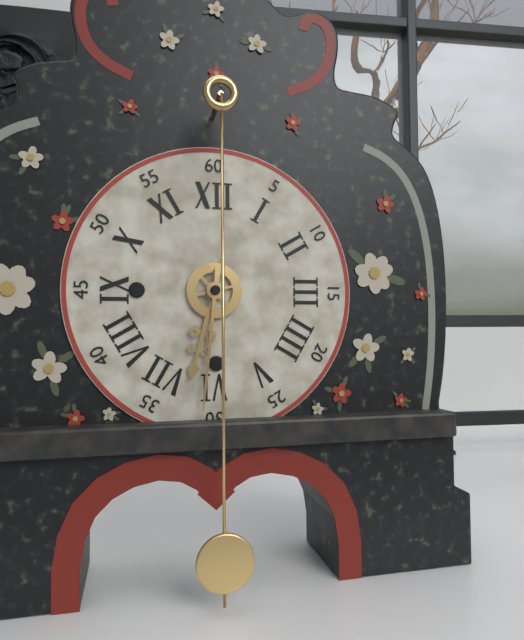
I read 6h31
